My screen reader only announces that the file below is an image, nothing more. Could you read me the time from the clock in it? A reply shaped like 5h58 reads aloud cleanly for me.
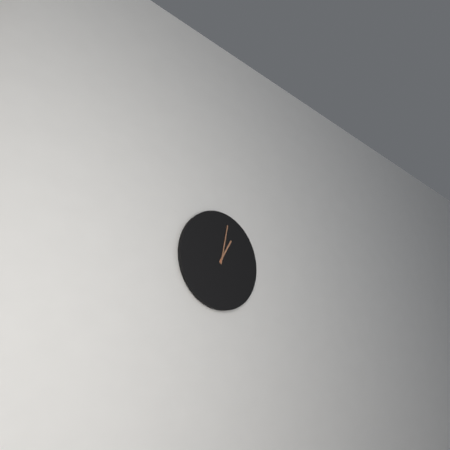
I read 1h02
